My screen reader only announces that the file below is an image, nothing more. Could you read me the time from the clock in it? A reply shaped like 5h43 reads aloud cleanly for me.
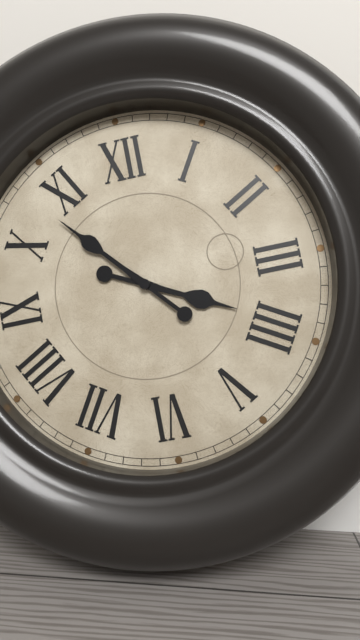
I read 3h53
